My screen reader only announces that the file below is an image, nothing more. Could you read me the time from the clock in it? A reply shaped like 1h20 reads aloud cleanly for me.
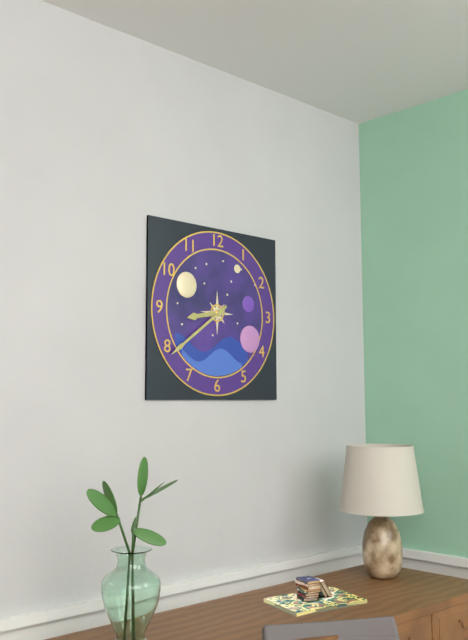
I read 8h39
